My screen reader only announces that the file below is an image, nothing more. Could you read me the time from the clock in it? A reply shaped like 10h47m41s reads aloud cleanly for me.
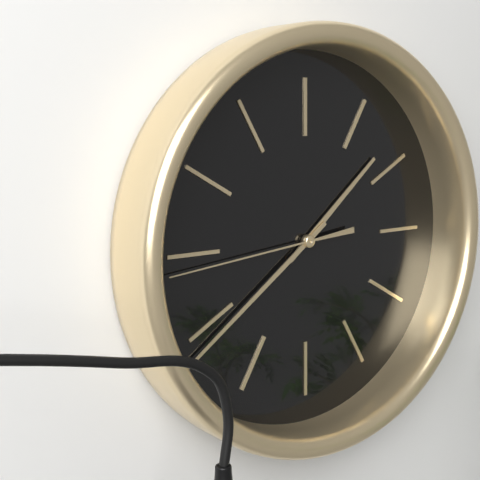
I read 1h39m44s
